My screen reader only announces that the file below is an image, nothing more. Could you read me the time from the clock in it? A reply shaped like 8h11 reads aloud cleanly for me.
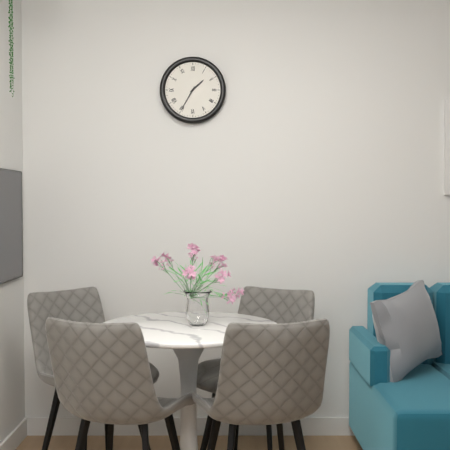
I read 1h35
